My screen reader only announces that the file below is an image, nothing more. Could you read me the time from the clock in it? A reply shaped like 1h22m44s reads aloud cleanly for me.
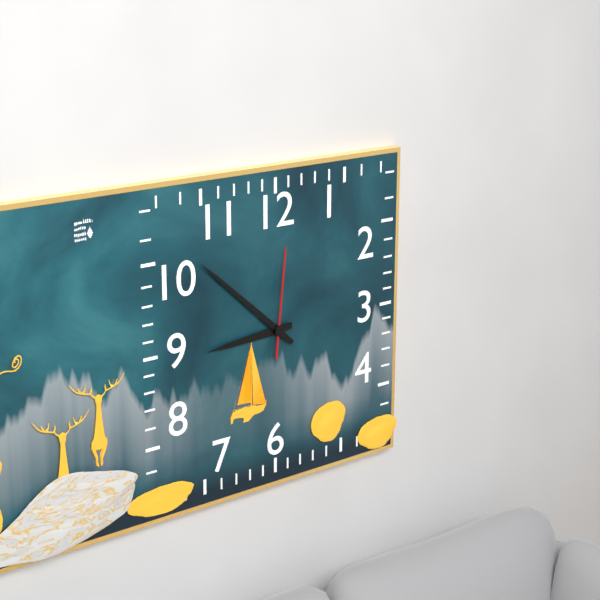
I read 8h52m01s
